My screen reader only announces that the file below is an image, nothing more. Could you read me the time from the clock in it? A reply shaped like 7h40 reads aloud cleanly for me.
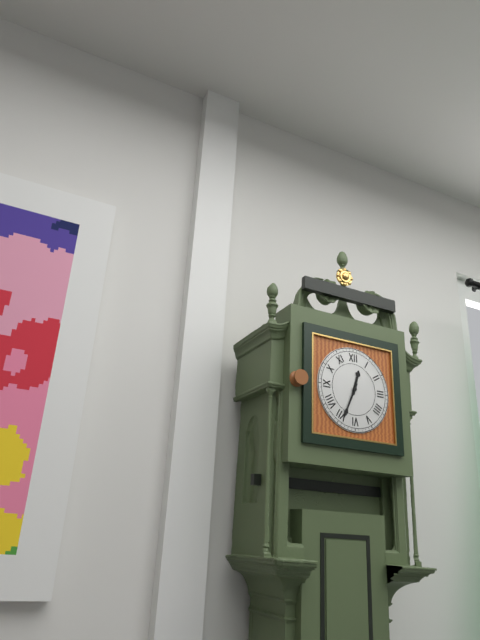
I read 12h34
